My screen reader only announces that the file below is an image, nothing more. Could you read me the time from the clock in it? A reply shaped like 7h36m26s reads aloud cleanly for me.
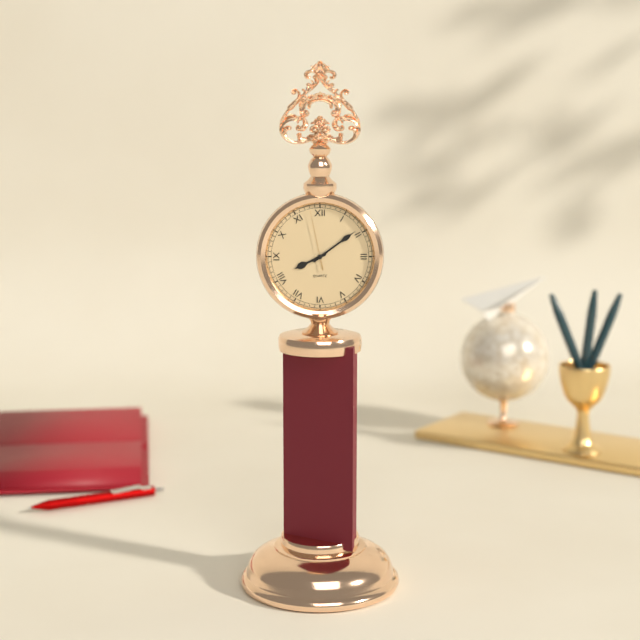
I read 8h09m58s
